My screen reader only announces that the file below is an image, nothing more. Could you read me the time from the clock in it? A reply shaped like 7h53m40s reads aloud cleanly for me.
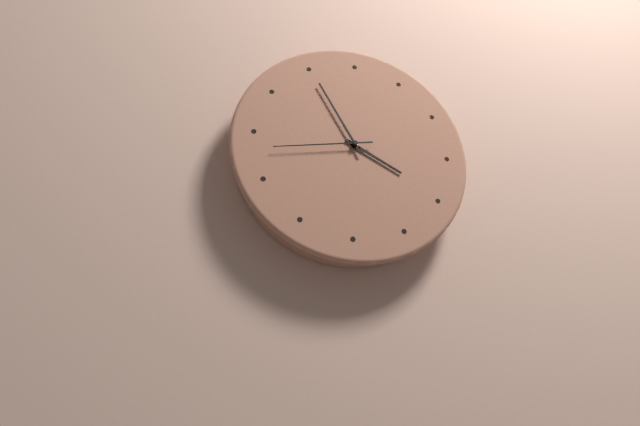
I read 3h55m43s
